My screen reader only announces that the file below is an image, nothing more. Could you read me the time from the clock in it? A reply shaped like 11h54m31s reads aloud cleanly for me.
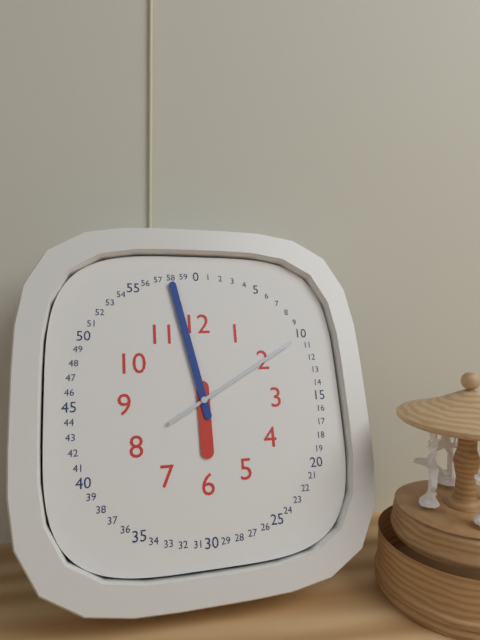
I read 5h58m10s
